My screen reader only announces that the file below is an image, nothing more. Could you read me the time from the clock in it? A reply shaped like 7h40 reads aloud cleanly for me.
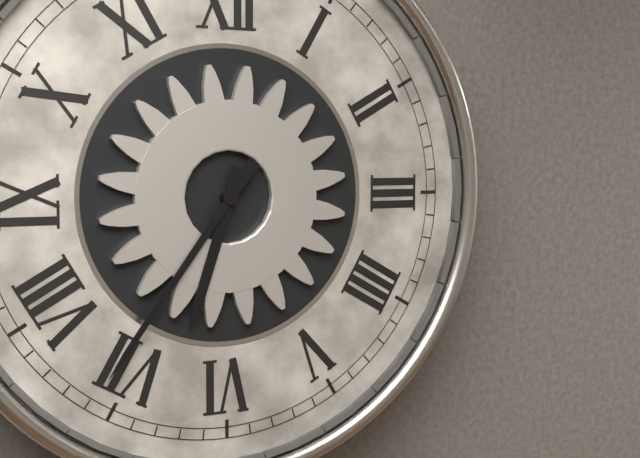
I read 6h36
